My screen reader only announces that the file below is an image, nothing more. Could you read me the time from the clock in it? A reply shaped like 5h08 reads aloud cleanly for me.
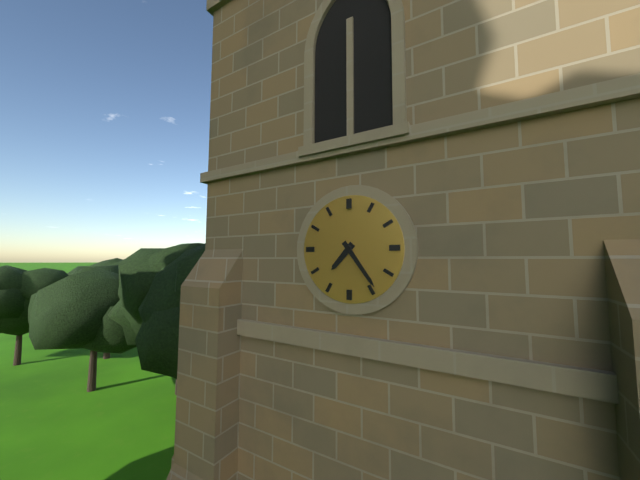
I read 7h24
